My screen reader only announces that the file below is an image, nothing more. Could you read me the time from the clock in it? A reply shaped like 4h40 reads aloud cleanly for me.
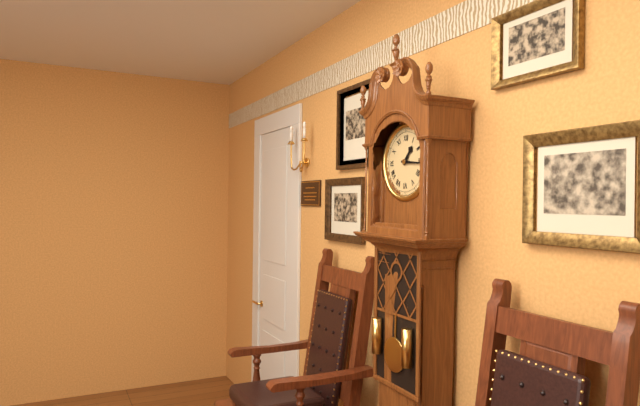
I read 1h16
